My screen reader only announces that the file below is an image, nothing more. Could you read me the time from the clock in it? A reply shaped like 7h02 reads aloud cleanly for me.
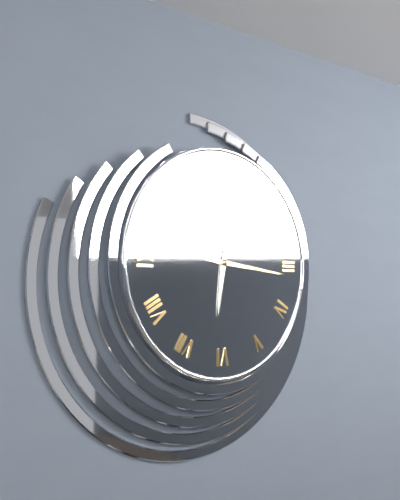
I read 6h16
